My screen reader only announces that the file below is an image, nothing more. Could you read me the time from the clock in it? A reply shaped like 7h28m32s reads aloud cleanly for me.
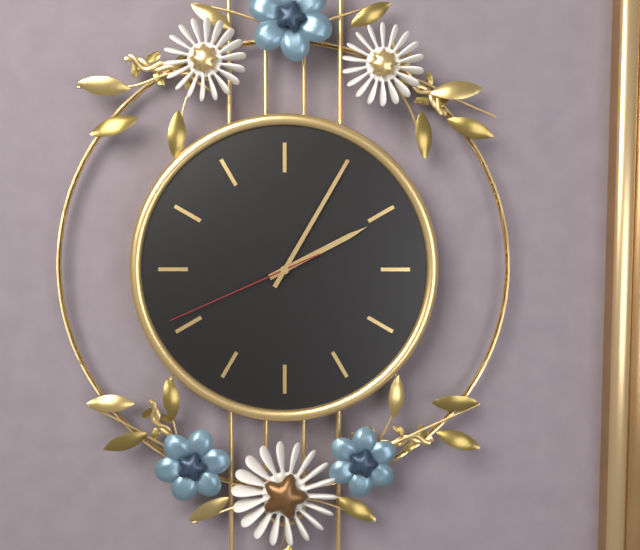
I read 2h05m41s
